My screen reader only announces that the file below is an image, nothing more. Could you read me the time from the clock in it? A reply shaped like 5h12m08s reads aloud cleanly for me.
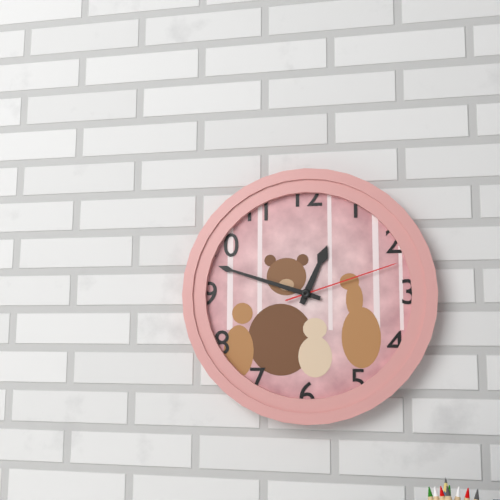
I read 12h48m12s
